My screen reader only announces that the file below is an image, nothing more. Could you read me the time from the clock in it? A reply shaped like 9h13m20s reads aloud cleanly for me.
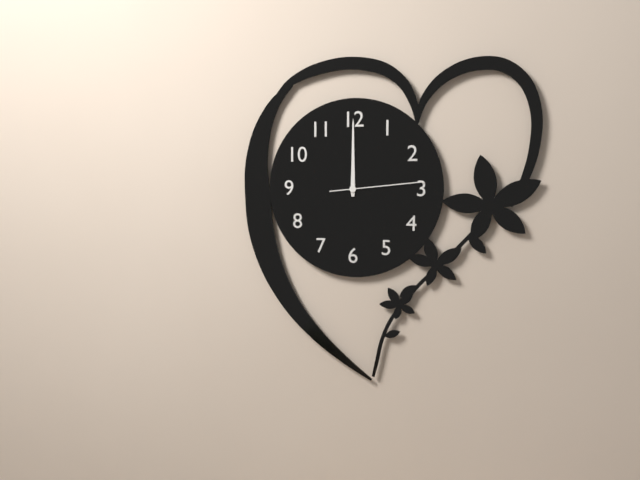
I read 12h00m14s
